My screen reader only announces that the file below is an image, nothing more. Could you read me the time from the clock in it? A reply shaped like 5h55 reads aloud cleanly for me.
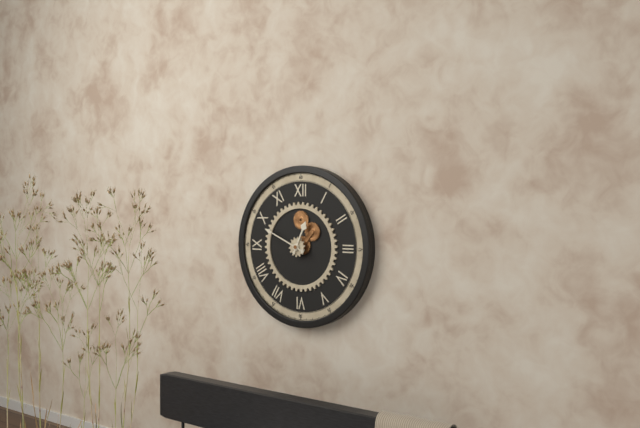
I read 12h49
